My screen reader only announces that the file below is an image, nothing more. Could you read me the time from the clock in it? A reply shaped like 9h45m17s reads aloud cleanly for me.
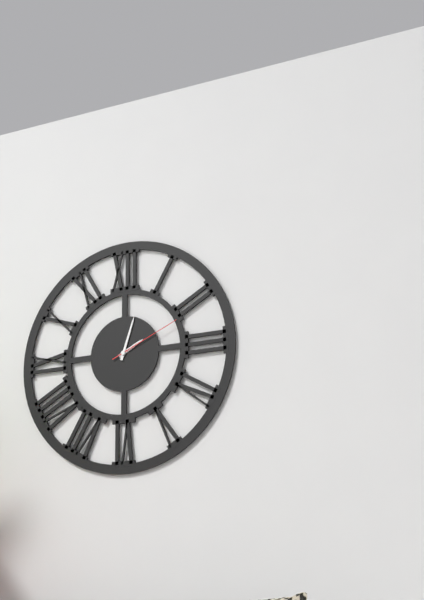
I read 2h03m11s
